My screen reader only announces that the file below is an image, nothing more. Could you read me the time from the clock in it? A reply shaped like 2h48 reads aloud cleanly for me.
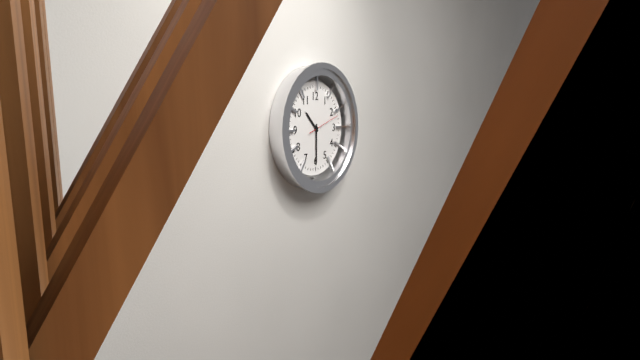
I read 10h30
